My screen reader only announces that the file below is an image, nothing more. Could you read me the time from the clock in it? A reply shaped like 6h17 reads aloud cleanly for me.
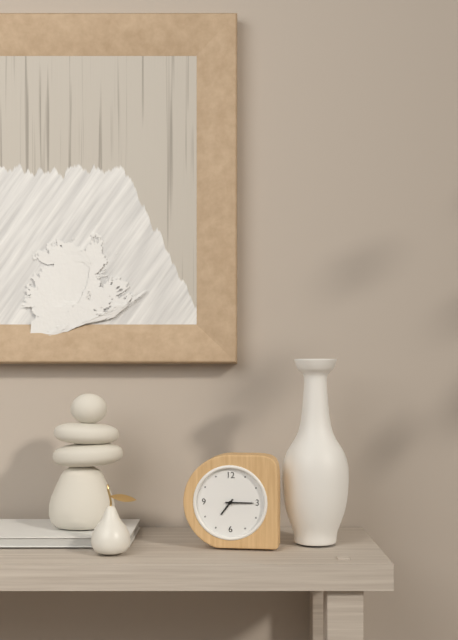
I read 7h15
